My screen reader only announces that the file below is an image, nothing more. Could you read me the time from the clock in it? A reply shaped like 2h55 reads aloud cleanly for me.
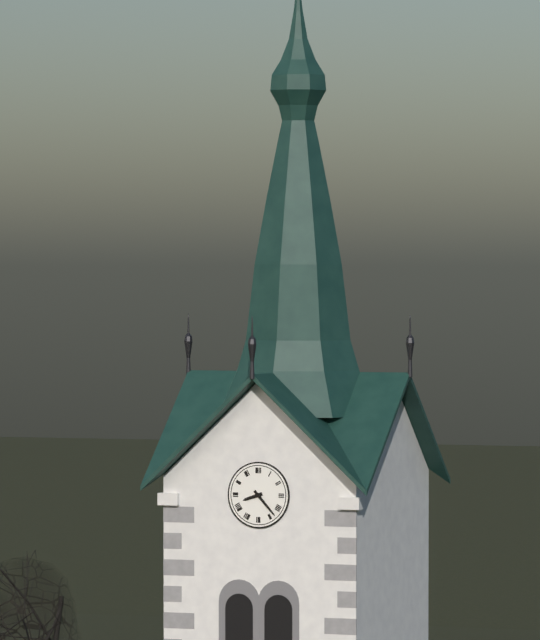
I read 8h23
